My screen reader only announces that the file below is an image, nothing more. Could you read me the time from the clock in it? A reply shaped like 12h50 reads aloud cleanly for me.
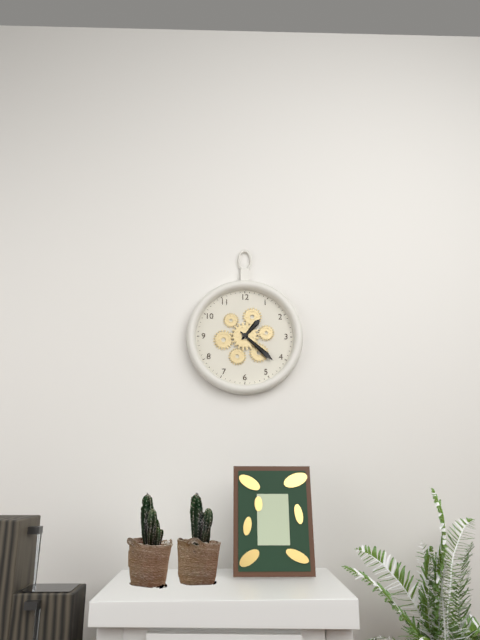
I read 1h22
